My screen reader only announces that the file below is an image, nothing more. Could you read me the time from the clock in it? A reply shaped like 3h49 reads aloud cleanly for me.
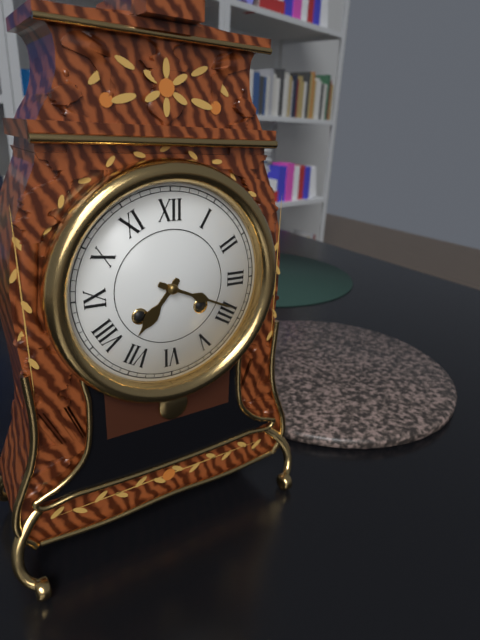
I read 7h19
